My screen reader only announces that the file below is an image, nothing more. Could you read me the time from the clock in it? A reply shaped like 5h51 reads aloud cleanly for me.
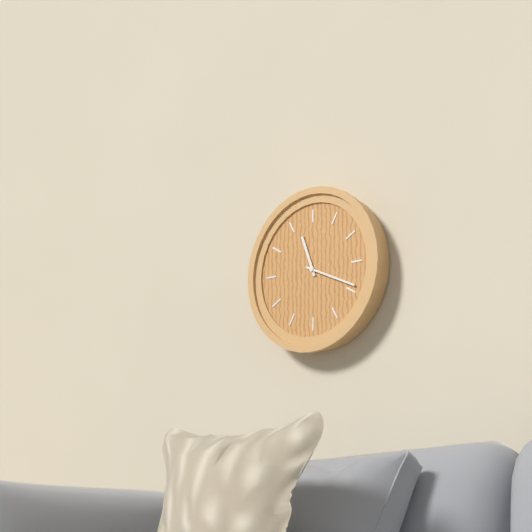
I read 11h19
